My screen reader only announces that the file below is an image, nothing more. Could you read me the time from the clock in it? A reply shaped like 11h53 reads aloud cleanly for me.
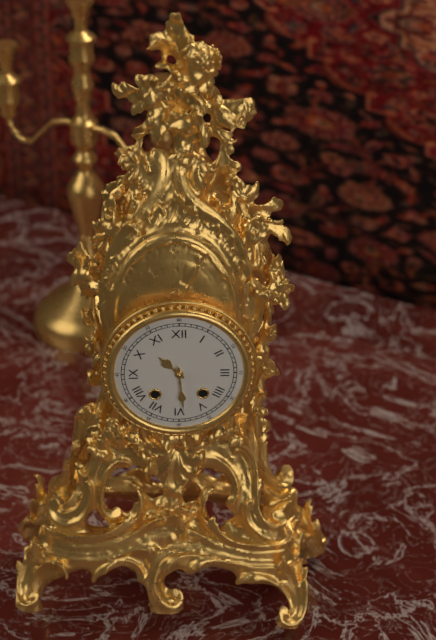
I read 10h29
